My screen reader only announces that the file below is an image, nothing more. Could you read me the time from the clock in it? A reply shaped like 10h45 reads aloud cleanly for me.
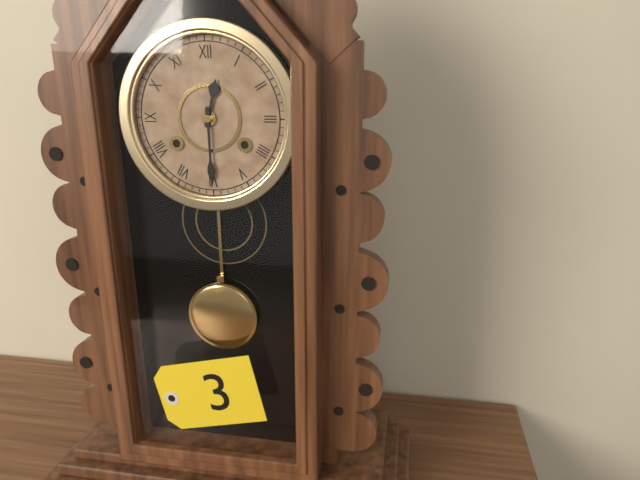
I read 12h30
